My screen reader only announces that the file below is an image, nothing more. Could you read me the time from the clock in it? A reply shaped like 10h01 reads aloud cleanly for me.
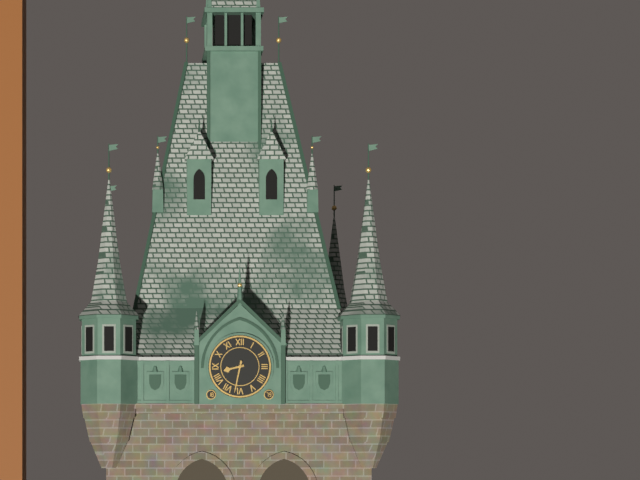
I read 8h32
